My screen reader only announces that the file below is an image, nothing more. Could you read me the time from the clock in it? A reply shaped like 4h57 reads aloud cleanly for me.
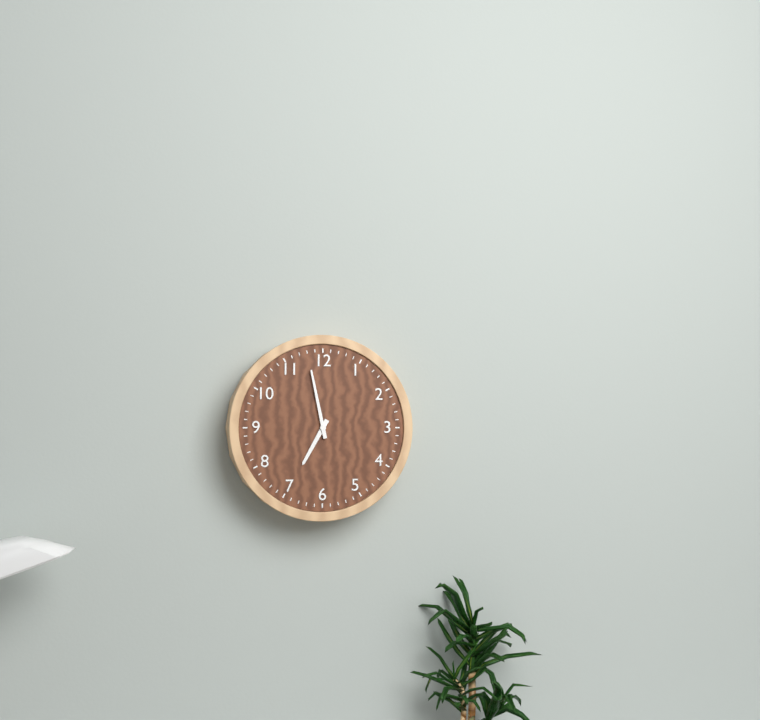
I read 6h58
